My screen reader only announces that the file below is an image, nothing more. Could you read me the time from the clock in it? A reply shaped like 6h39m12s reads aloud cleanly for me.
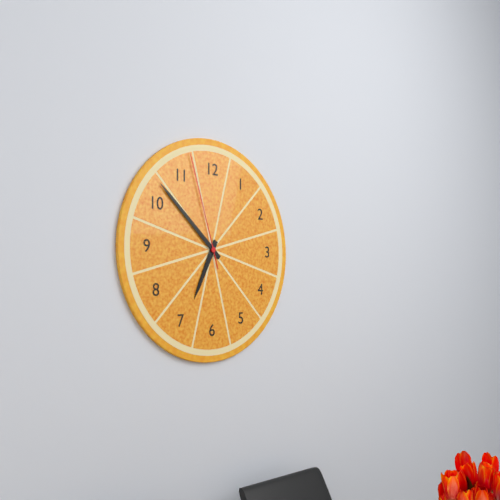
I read 6h52m57s
